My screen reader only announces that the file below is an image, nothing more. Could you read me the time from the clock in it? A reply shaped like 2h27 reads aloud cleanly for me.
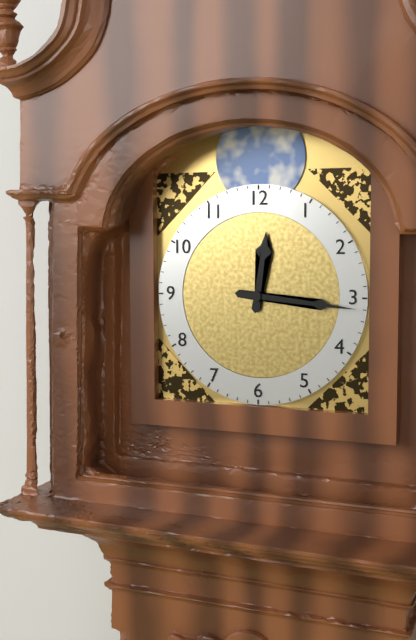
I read 12h16
